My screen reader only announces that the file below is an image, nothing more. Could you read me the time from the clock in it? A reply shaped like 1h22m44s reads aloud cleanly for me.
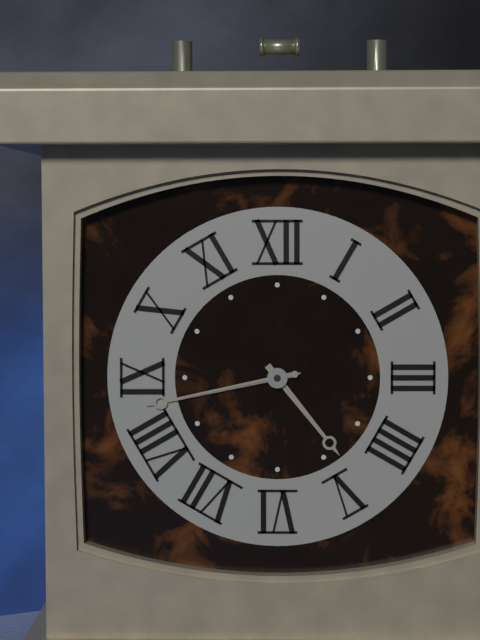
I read 4h43m43s
